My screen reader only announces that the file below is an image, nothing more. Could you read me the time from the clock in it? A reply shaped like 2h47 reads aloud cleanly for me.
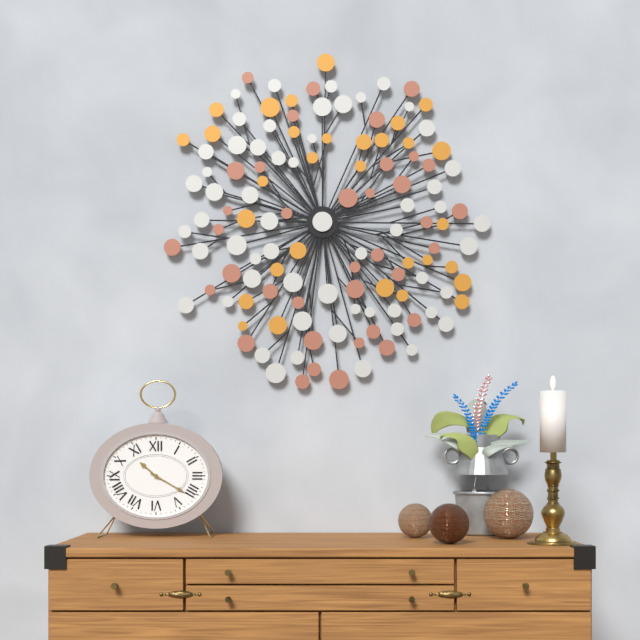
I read 10h20
